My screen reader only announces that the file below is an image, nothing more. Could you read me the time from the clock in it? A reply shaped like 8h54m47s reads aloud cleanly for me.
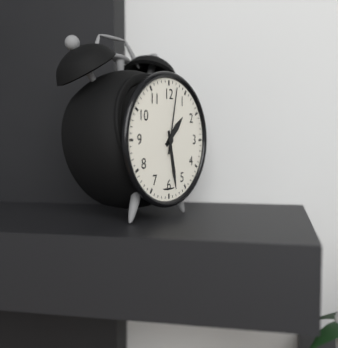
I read 1h28m02s
